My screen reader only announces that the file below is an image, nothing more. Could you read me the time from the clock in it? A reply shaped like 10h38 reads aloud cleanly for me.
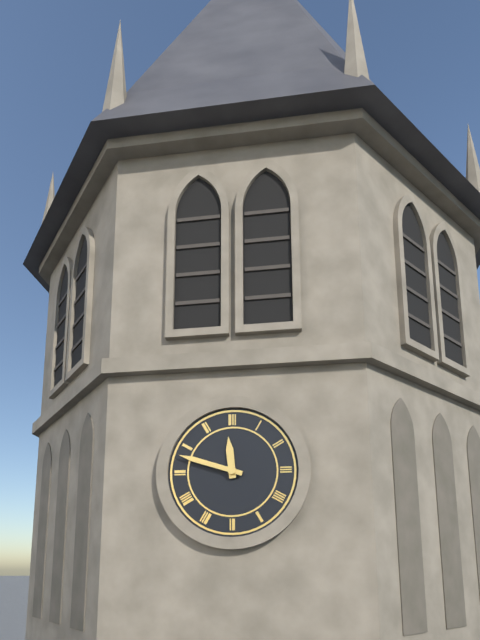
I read 11h48
